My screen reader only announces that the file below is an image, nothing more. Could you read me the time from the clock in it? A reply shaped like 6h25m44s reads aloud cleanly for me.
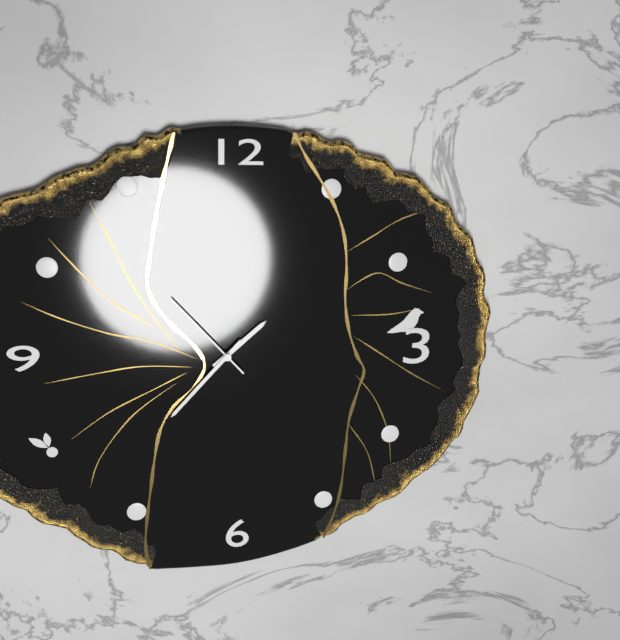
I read 1h37m53s
